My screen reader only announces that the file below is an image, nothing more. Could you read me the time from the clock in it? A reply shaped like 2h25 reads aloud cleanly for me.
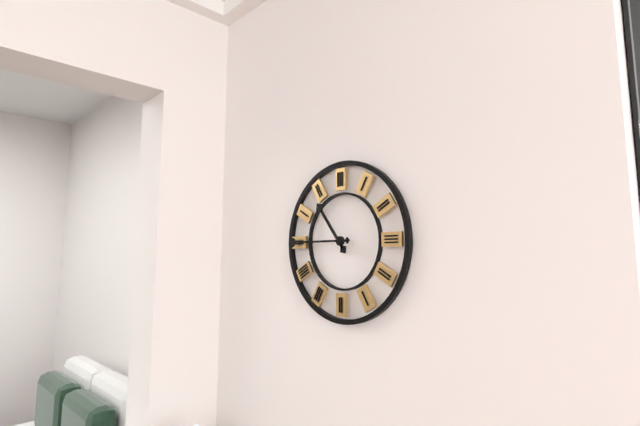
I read 10h45
